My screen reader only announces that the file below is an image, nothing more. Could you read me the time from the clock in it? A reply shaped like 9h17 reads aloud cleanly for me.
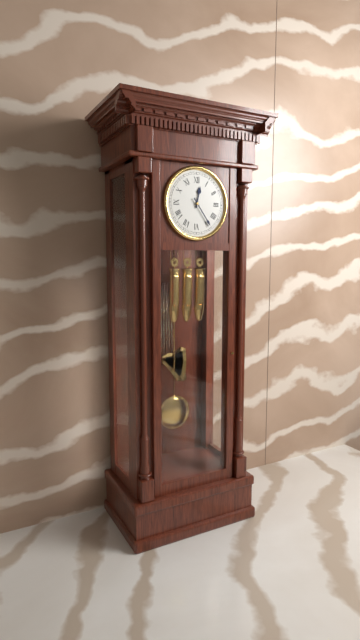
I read 12h24
